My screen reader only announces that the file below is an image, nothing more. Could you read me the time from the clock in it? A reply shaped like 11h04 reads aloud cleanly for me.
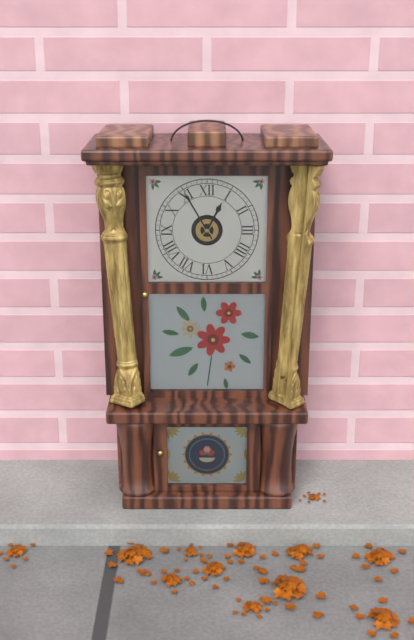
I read 12h55
